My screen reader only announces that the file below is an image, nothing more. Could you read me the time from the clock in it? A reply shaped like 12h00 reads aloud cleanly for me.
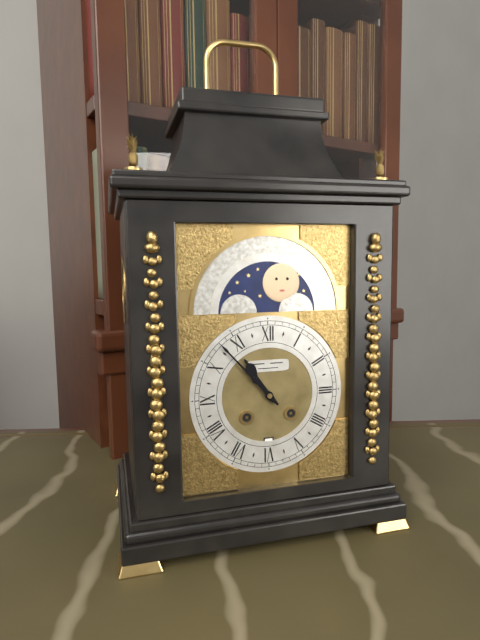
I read 10h53
